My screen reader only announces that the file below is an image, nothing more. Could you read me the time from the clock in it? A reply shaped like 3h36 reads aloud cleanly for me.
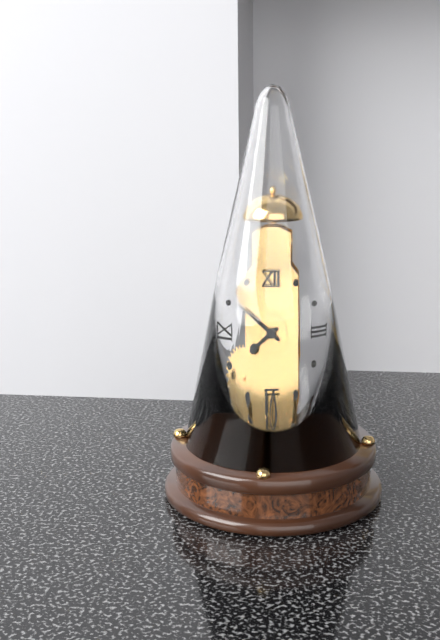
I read 7h51
